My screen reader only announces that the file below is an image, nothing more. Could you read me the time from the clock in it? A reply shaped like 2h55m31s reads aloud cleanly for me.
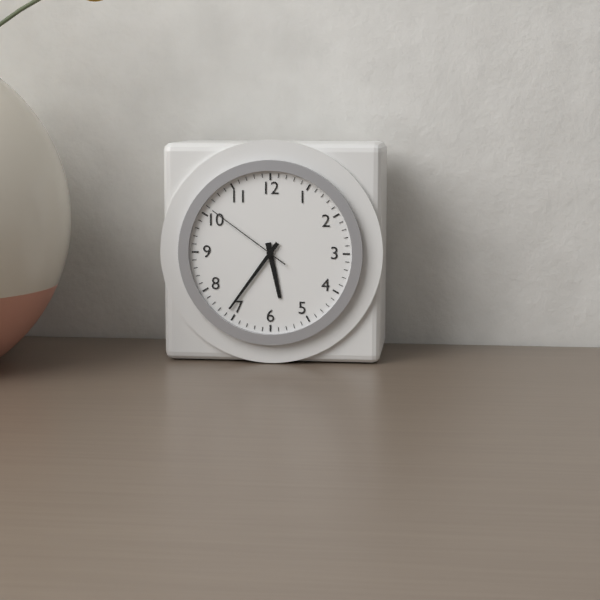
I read 5h36m51s
